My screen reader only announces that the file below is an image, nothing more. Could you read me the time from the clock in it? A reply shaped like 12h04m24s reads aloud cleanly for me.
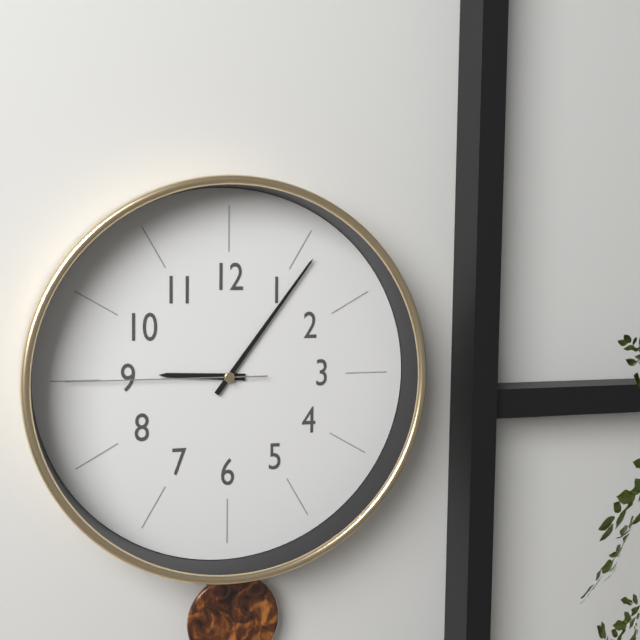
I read 9h06m45s
